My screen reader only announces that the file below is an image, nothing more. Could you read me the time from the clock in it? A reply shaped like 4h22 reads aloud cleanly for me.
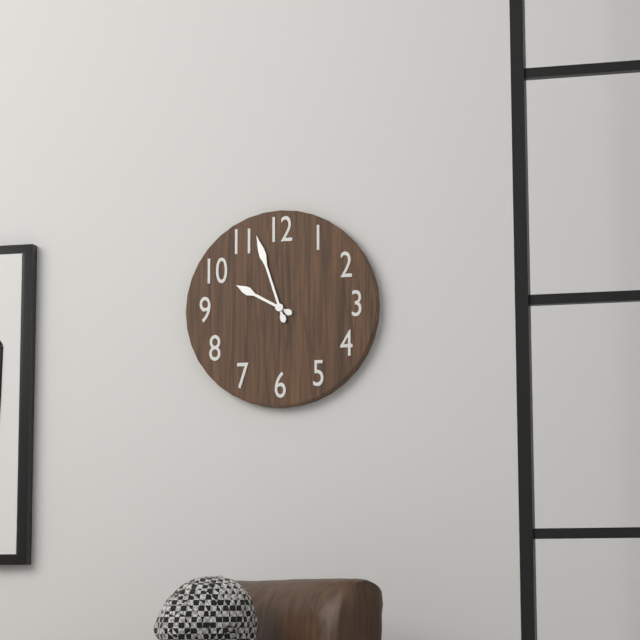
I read 9h57
